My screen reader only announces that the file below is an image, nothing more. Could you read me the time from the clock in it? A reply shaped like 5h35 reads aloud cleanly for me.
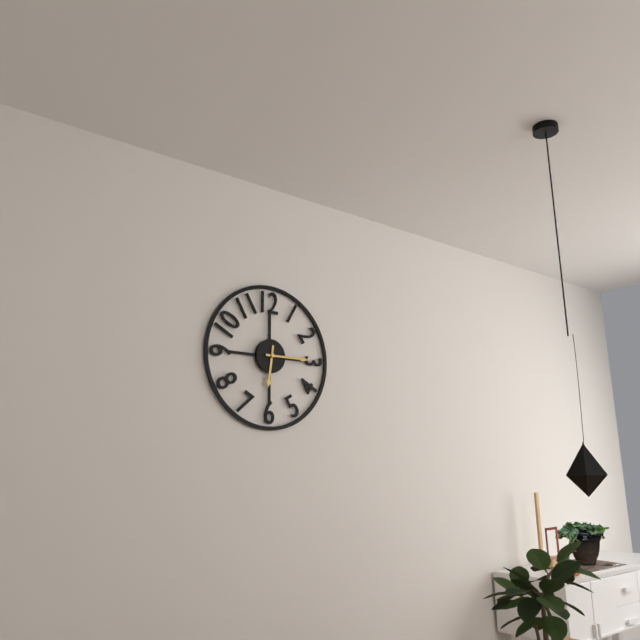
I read 6h15
